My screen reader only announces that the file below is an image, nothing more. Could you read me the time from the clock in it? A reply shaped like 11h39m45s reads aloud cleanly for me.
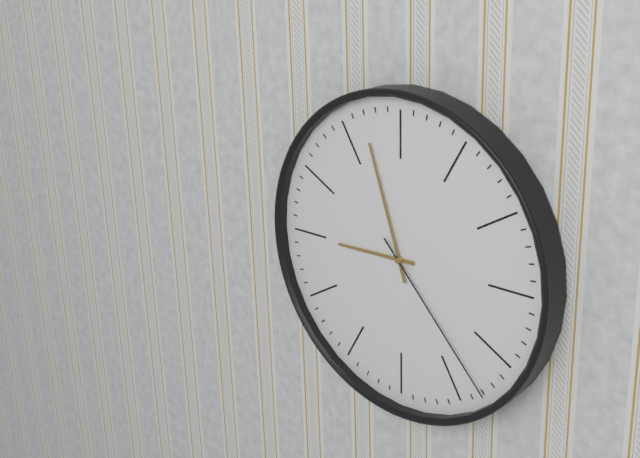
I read 8h57m23s
